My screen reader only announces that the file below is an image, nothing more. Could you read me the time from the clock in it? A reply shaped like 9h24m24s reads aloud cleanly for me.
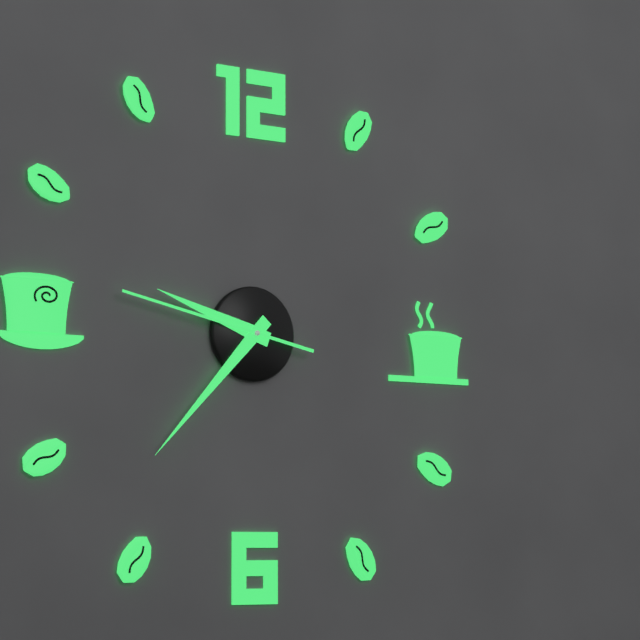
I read 9h37m47s
